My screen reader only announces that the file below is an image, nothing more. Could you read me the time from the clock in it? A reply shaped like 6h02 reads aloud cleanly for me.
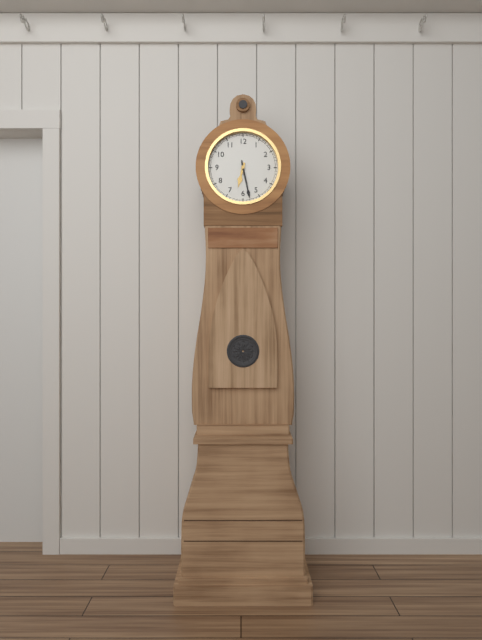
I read 6h28
